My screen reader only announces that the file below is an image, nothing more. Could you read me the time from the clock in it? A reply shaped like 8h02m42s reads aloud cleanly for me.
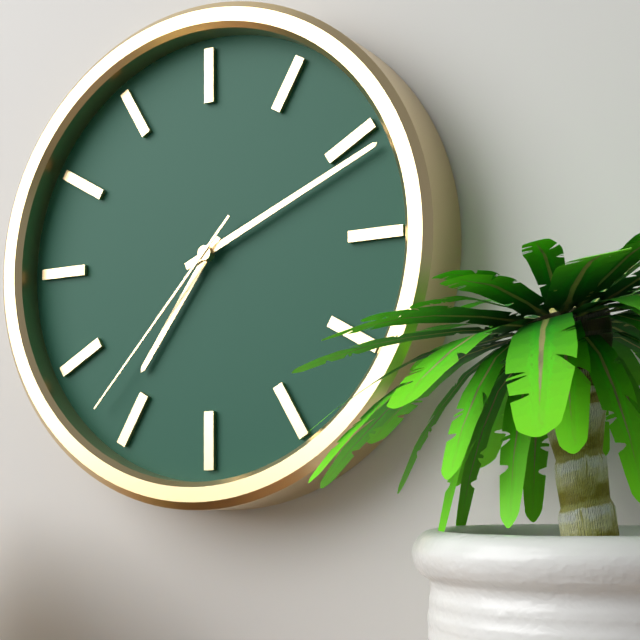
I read 7h11m37s
